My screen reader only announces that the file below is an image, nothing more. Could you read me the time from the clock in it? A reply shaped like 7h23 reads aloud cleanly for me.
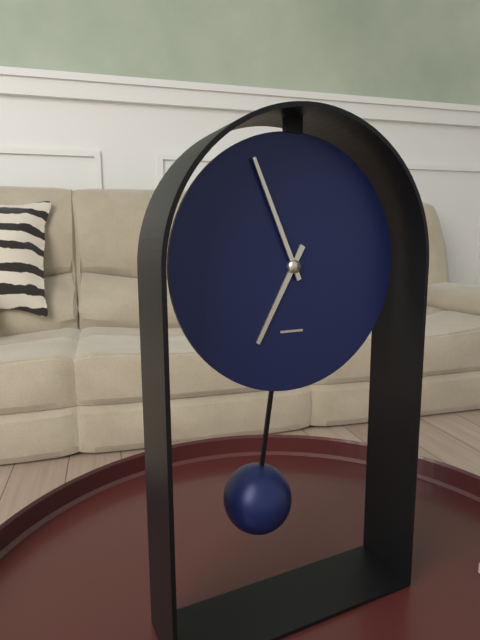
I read 6h56
